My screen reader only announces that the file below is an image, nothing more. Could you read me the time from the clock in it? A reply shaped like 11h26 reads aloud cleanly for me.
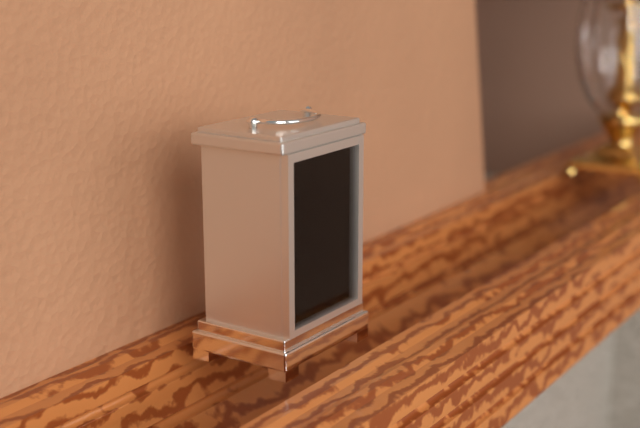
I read 7h52
